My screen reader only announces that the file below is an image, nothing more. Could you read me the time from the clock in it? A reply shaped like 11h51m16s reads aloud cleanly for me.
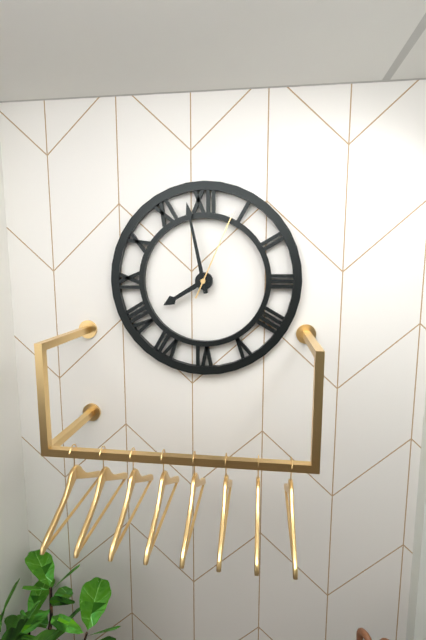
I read 7h58m04s
